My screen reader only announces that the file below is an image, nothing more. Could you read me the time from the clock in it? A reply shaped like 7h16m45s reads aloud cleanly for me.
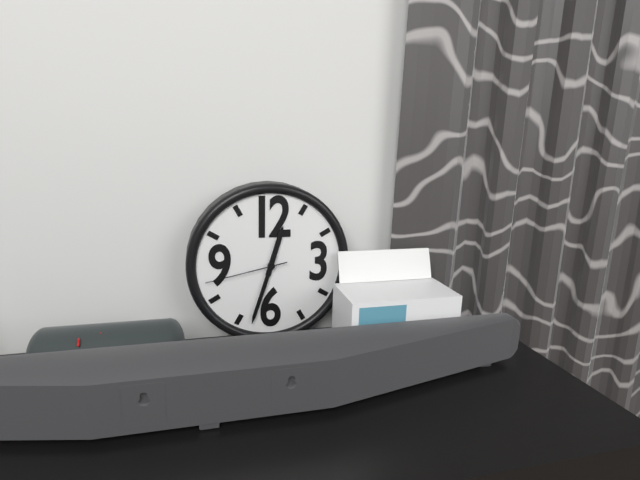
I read 12h33m43s
